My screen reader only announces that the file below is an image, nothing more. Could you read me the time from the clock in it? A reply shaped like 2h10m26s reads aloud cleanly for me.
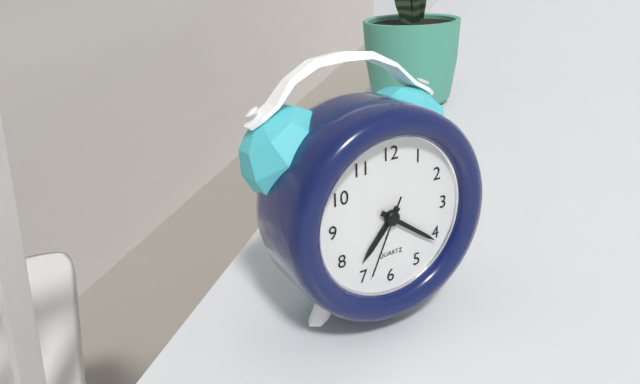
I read 7h21m34s
